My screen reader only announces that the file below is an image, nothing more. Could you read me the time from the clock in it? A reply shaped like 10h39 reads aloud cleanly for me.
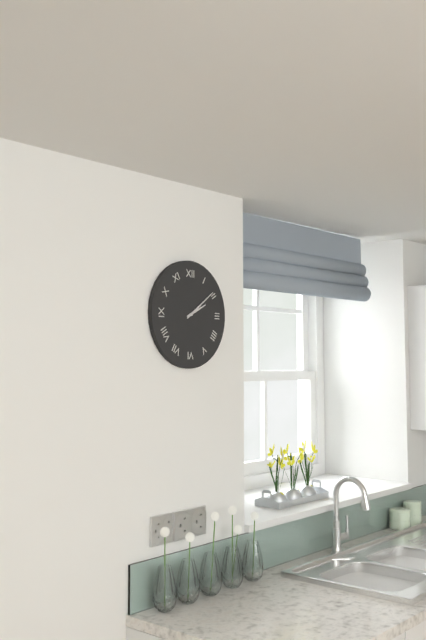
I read 2h09
